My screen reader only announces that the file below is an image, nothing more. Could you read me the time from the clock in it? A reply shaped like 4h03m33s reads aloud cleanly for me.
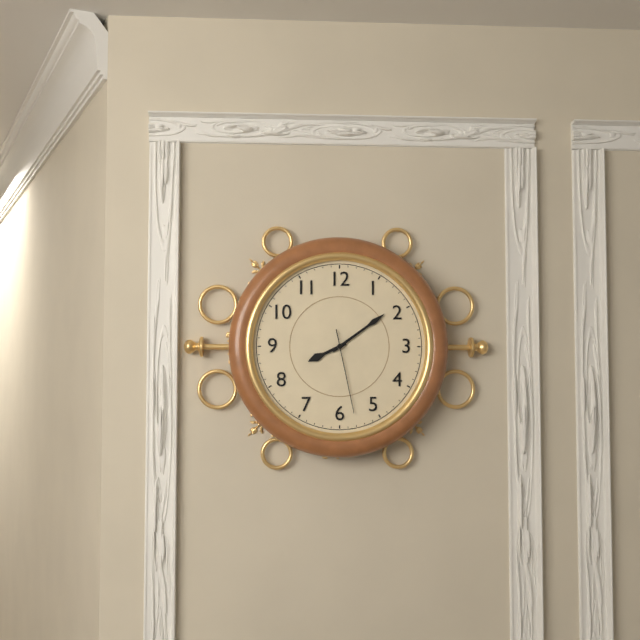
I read 8h09m28s
